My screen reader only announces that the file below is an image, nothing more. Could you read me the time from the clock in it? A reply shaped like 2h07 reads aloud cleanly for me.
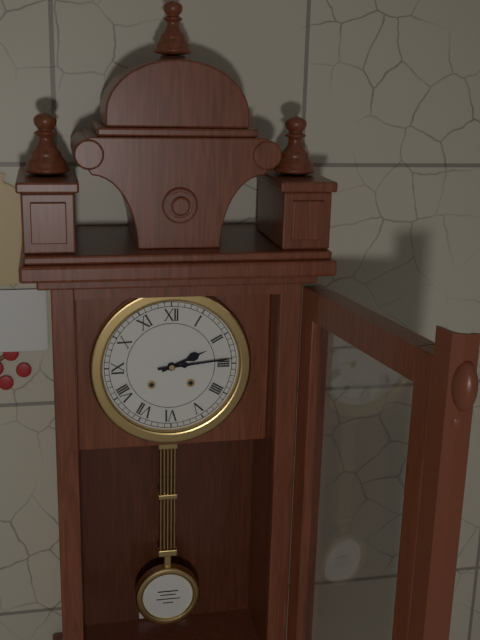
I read 2h14
